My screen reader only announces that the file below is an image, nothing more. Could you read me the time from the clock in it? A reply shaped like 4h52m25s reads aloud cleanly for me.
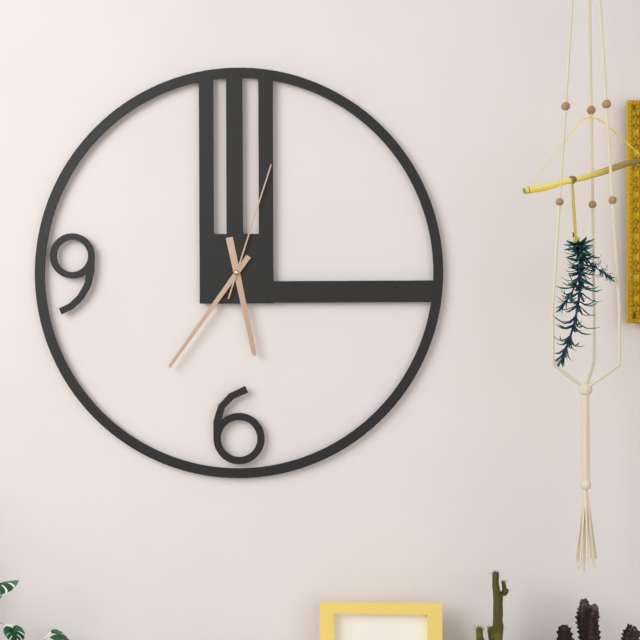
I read 5h36m03s
